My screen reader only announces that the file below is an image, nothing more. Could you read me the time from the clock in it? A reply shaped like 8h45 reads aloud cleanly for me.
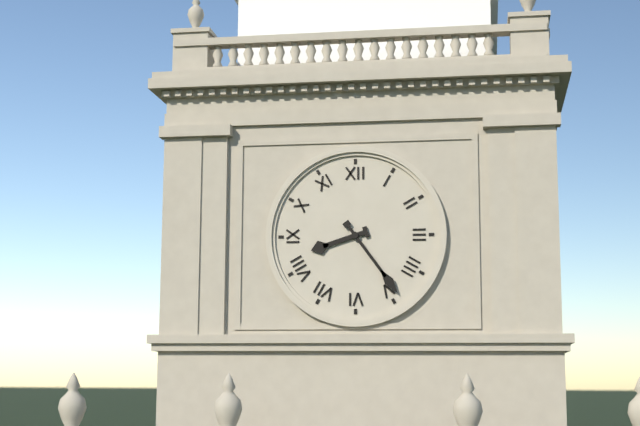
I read 8h24
